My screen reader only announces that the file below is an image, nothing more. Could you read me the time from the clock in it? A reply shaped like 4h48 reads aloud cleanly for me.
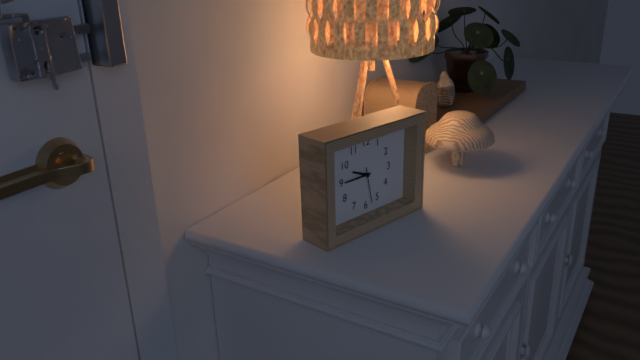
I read 9h45
